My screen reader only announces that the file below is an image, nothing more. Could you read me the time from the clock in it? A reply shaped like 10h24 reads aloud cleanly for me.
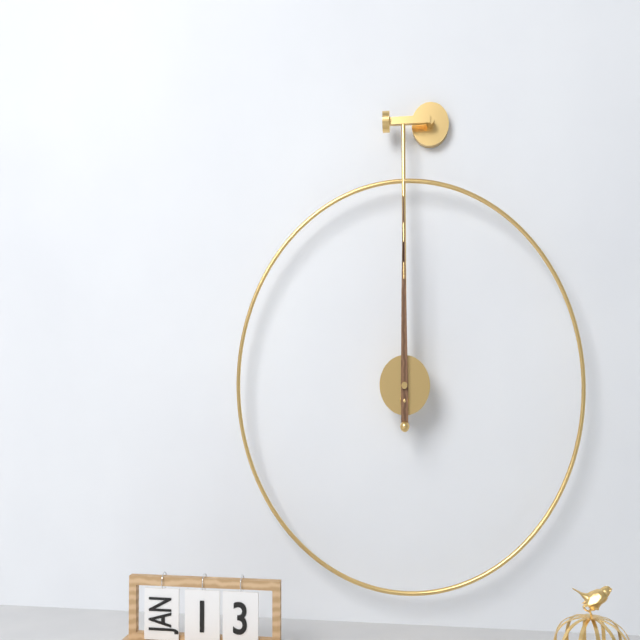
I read 12h00
